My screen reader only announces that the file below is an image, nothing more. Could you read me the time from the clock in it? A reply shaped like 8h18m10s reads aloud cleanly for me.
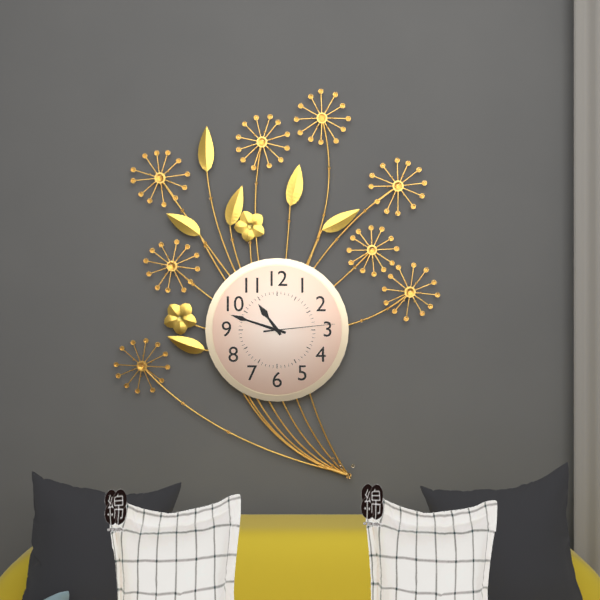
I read 10h48m14s
